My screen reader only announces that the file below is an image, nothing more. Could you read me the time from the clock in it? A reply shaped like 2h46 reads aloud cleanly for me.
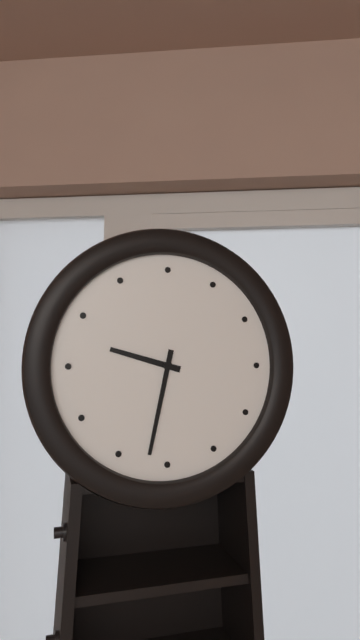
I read 9h32
